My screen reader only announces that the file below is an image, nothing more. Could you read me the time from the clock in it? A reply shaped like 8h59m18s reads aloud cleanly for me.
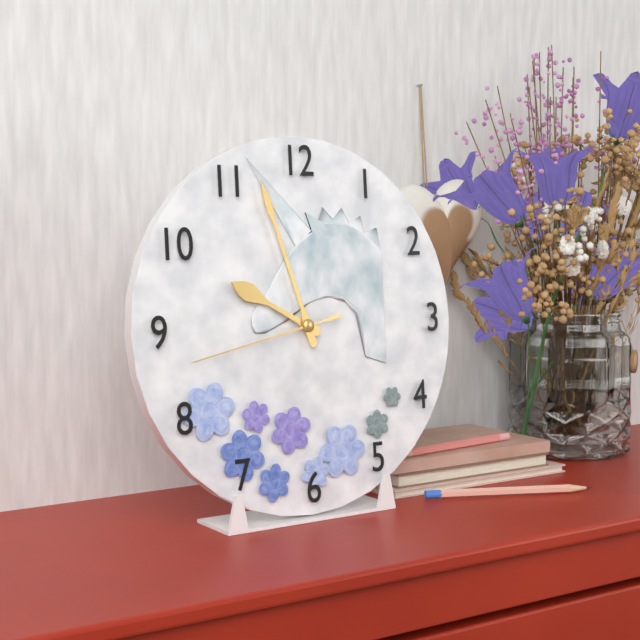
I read 9h57m43s
